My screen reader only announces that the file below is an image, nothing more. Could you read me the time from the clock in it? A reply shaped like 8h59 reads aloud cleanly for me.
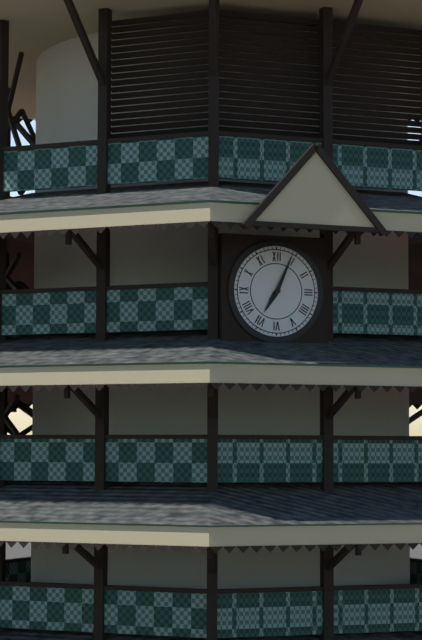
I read 7h04
